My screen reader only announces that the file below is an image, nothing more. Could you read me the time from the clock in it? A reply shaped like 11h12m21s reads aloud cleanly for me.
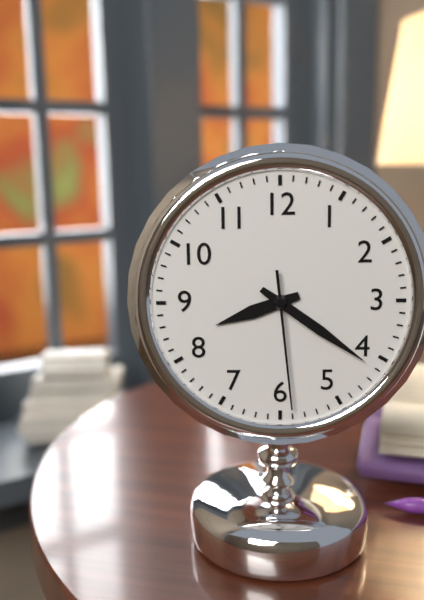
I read 8h21m29s
